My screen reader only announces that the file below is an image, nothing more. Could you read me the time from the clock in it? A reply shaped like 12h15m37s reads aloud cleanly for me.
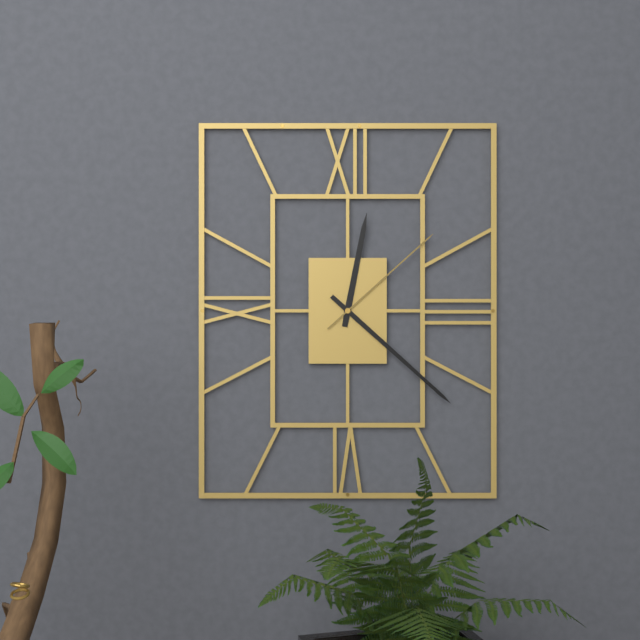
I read 12h22m08s
